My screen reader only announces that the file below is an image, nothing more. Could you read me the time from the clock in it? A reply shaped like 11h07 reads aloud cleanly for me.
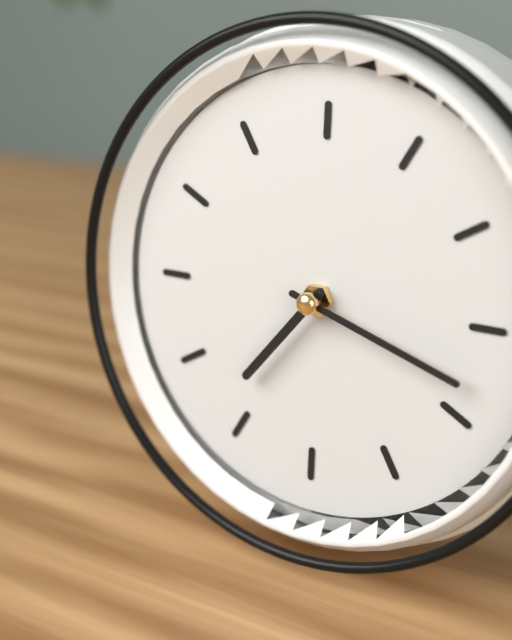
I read 7h18
